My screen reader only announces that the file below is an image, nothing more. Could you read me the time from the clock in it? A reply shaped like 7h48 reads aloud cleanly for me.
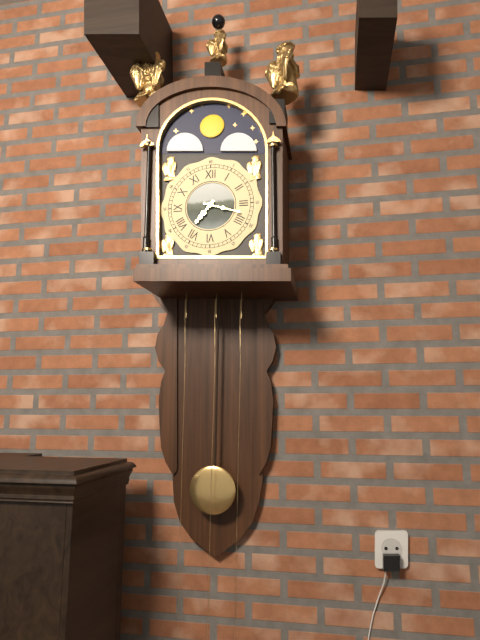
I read 7h18
